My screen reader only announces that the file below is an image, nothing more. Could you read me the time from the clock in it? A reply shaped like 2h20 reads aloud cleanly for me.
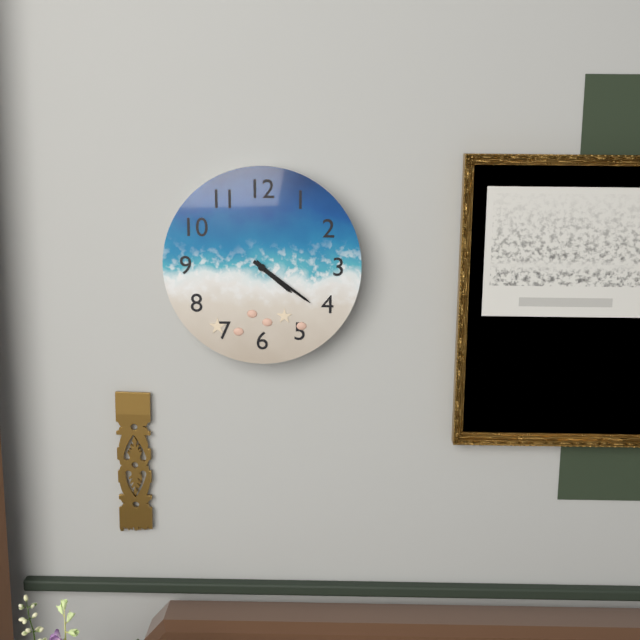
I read 4h21
